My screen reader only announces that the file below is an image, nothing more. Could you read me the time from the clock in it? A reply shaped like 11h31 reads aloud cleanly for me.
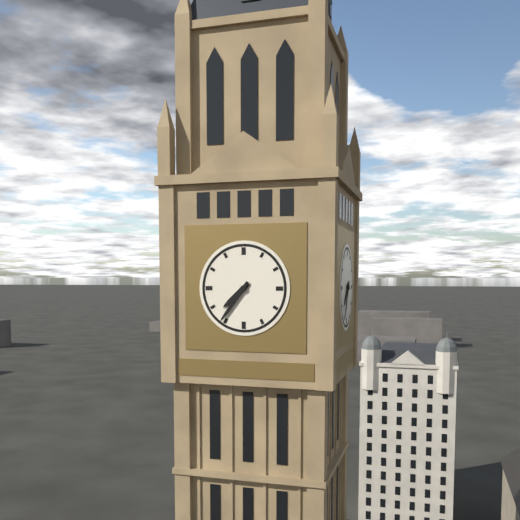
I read 7h36
